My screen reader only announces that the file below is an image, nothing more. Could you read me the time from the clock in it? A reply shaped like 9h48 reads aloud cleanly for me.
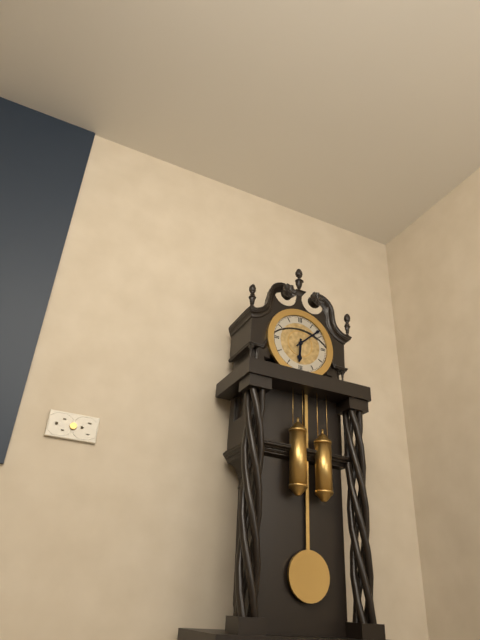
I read 6h08
